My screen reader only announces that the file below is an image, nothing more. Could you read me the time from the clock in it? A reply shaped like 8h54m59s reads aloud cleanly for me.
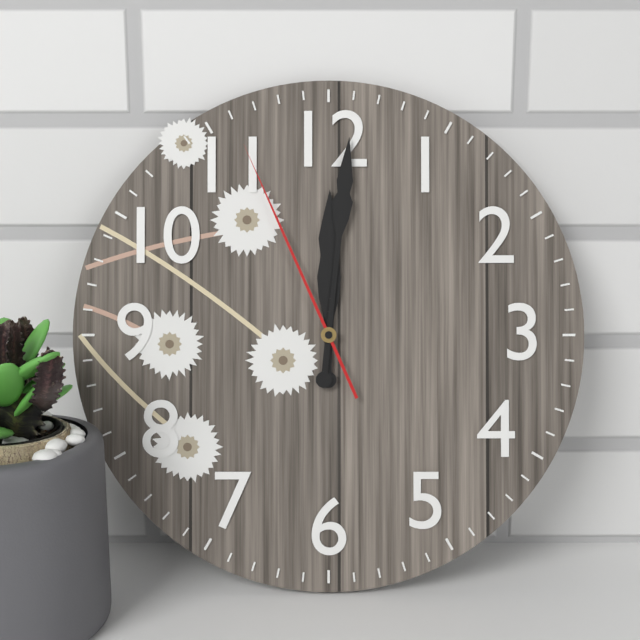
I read 12h01m56s
